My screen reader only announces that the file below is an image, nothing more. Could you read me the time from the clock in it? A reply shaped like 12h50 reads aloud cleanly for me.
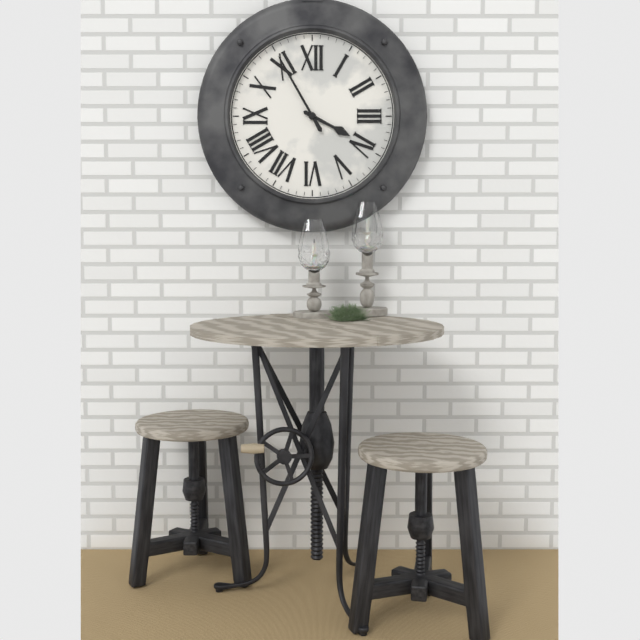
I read 3h55
